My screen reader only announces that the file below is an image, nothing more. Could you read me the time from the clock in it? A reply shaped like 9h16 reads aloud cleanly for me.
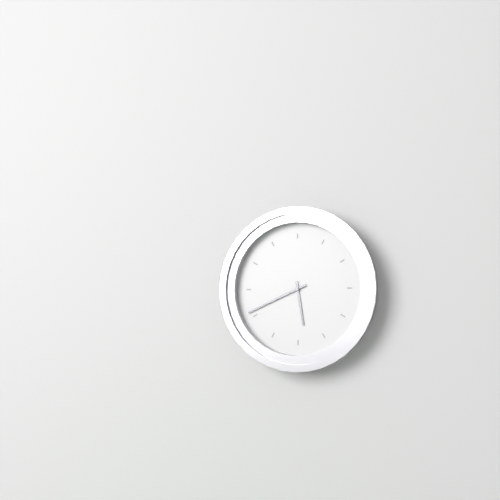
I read 5h41
